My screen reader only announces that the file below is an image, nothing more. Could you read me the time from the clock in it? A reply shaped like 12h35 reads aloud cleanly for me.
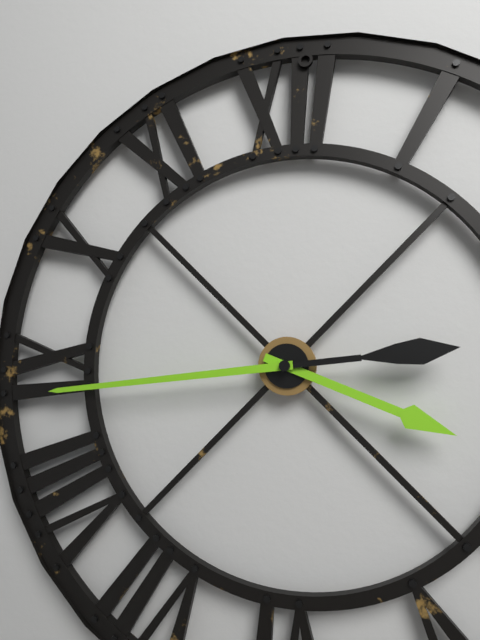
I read 3h44
